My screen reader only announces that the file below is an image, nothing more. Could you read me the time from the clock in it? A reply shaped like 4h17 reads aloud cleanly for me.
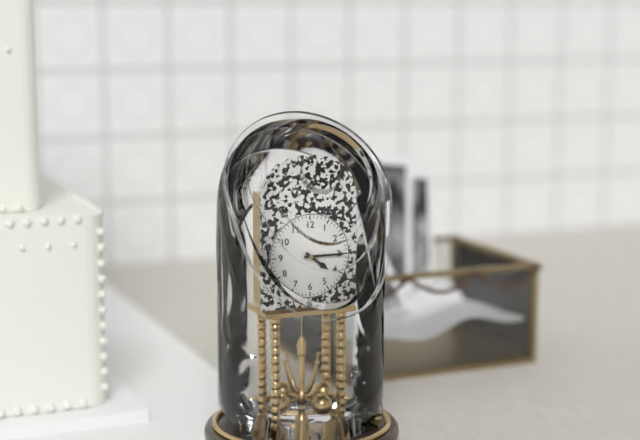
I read 4h15
